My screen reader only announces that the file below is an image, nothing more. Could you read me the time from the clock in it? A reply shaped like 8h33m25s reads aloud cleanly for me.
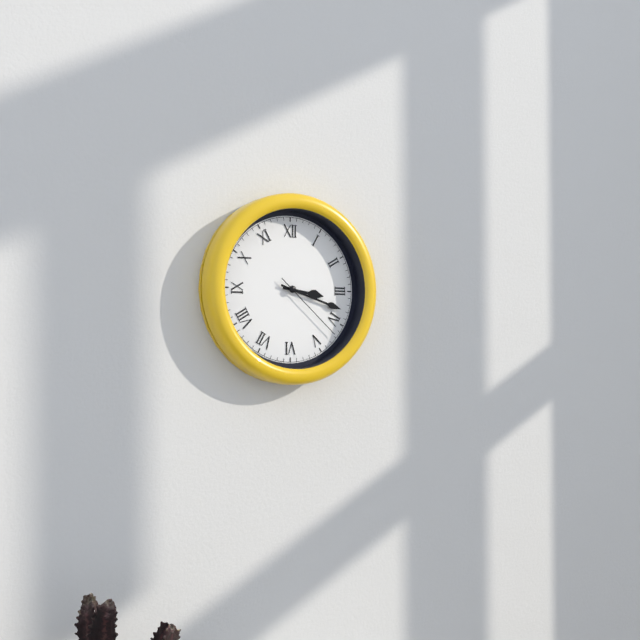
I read 3h18m22s
